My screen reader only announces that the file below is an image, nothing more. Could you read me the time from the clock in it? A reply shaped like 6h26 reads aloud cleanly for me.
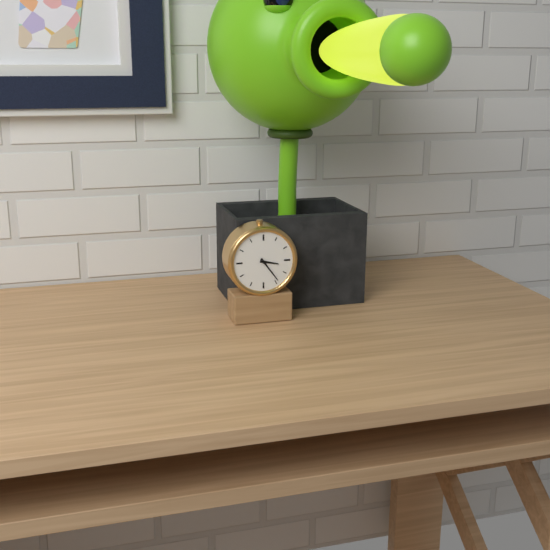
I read 3h24
